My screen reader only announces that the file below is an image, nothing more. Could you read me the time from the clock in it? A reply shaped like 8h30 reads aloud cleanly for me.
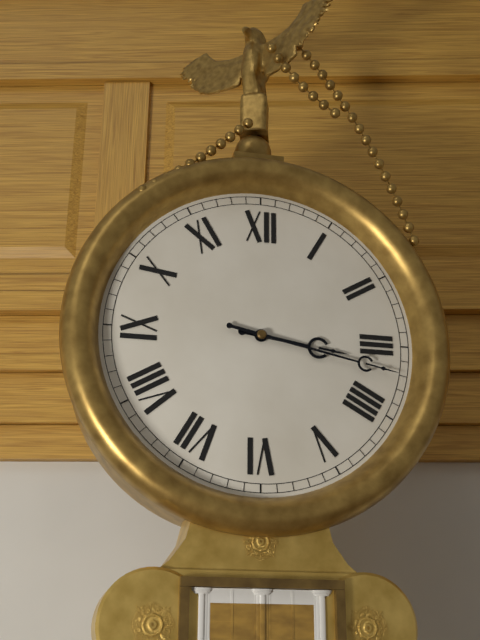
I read 3h17
